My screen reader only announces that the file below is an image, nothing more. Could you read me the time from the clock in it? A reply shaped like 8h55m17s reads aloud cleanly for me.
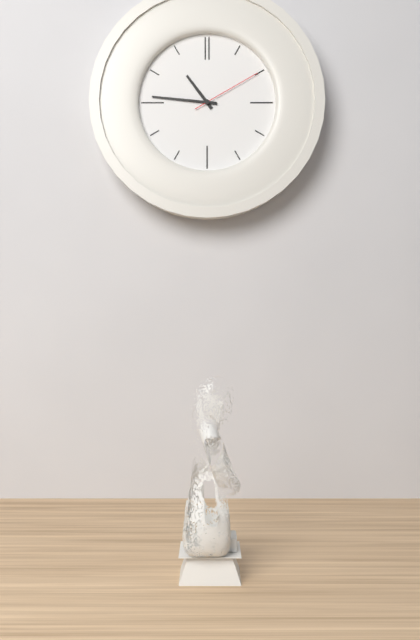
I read 10h46m10s
